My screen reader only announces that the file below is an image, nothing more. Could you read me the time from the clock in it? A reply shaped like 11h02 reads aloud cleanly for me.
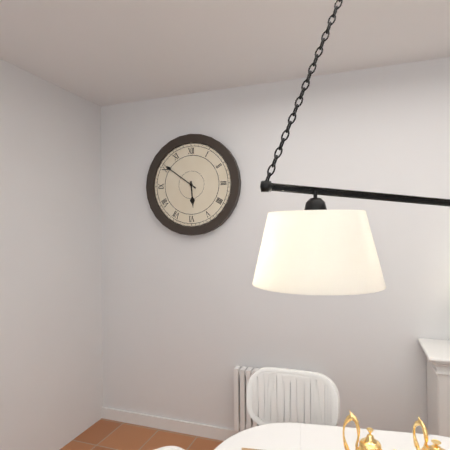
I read 5h51
